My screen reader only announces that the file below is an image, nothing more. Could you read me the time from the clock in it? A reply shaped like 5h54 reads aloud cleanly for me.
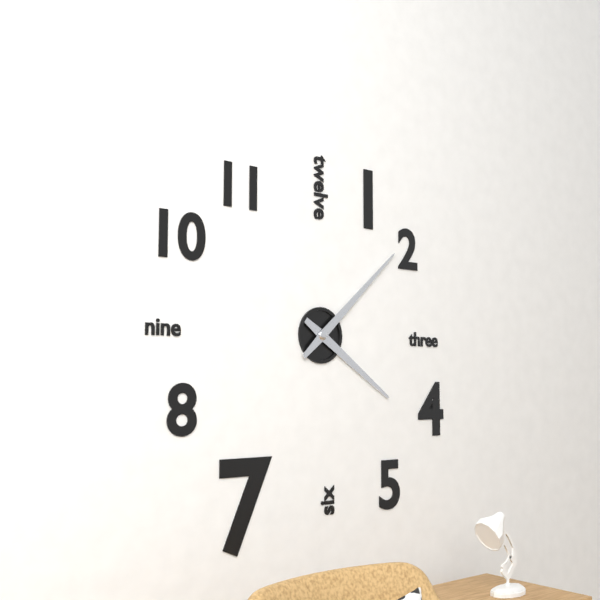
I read 4h08
